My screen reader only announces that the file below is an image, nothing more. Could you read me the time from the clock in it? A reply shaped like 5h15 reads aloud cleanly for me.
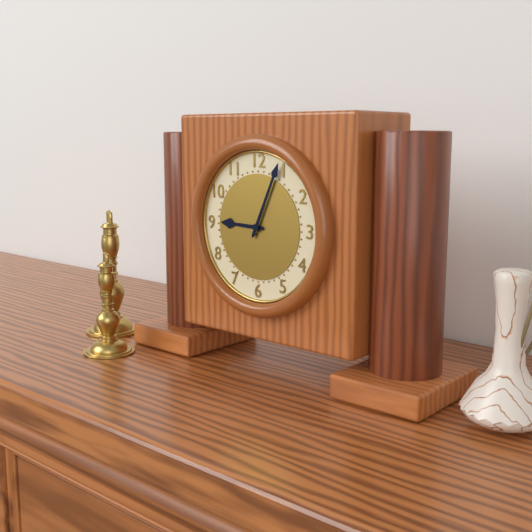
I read 9h04
